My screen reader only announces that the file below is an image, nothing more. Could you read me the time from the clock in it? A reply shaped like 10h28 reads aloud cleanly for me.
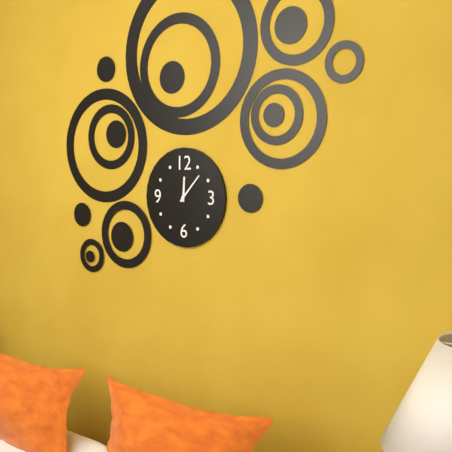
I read 12h07
